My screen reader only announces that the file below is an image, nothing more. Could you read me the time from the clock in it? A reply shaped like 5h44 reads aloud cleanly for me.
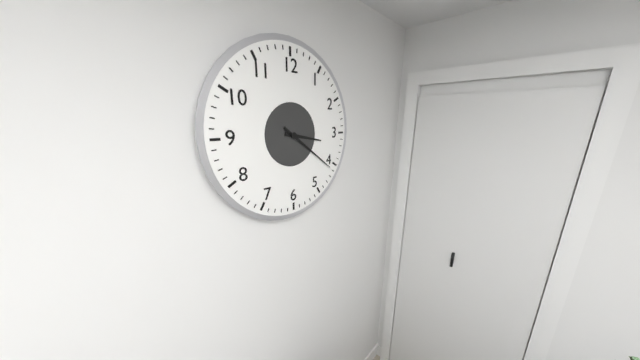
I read 3h21
